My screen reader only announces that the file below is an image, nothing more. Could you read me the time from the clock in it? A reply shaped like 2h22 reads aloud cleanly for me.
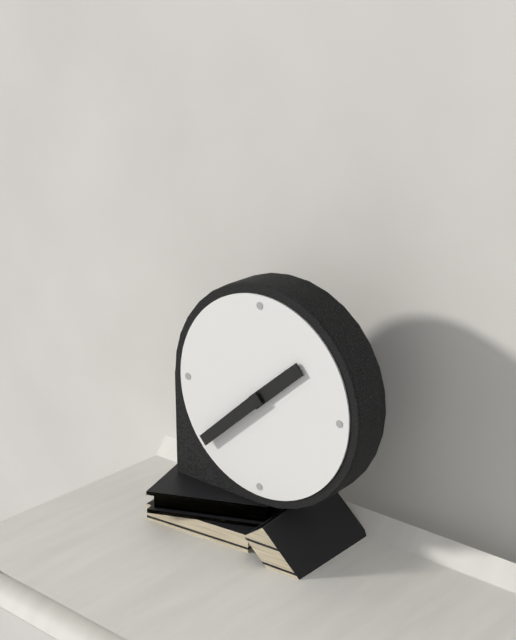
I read 1h38
